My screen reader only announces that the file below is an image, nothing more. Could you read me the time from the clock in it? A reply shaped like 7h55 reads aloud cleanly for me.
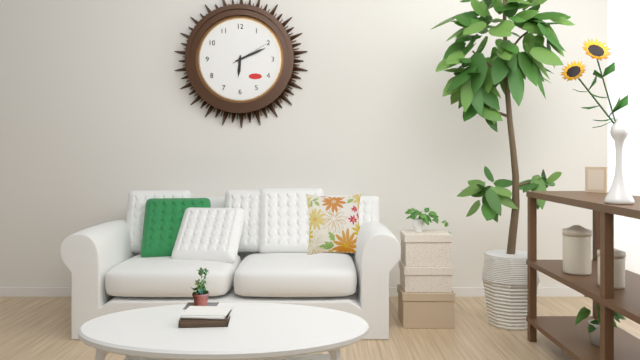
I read 6h11
